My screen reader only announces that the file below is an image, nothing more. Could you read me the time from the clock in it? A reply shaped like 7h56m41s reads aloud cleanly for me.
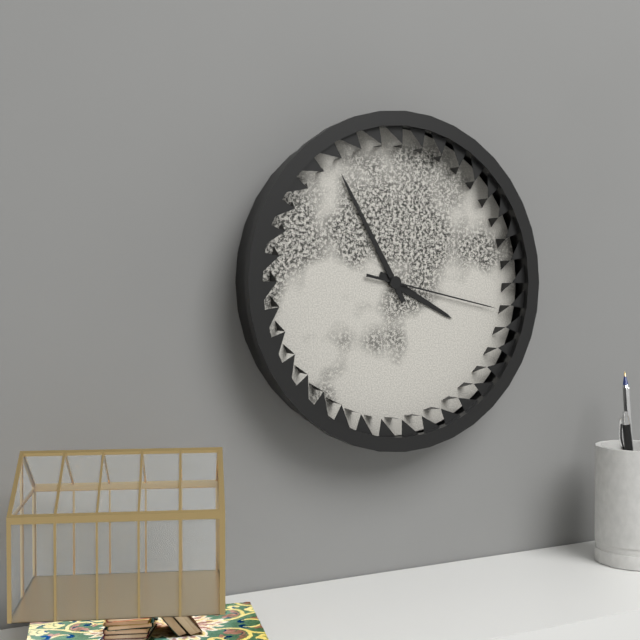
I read 3h55m17s
